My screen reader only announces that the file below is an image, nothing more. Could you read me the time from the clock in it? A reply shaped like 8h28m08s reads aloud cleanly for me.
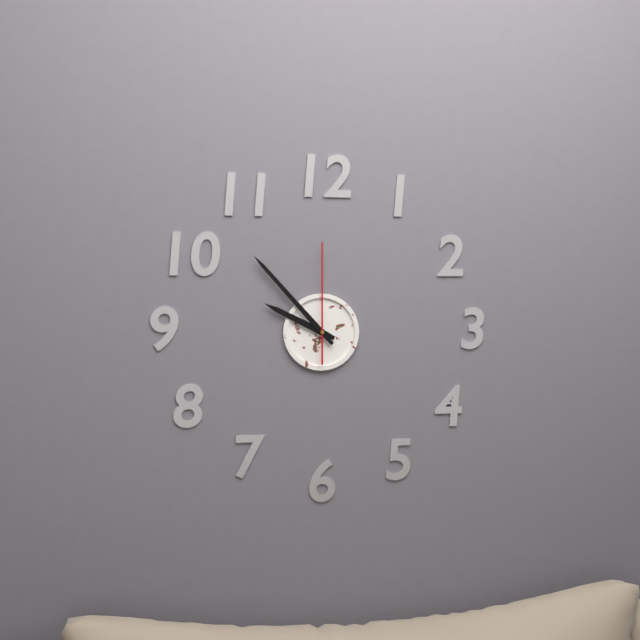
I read 9h53m00s
